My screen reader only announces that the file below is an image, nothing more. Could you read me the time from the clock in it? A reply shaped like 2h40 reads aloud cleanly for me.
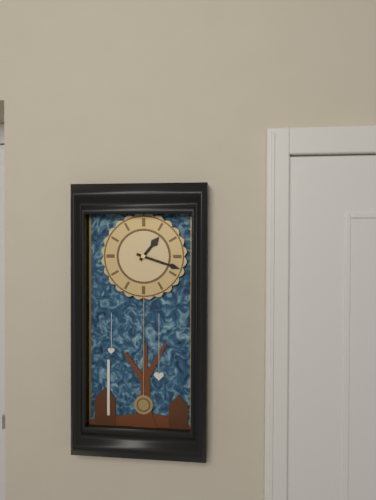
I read 1h18
